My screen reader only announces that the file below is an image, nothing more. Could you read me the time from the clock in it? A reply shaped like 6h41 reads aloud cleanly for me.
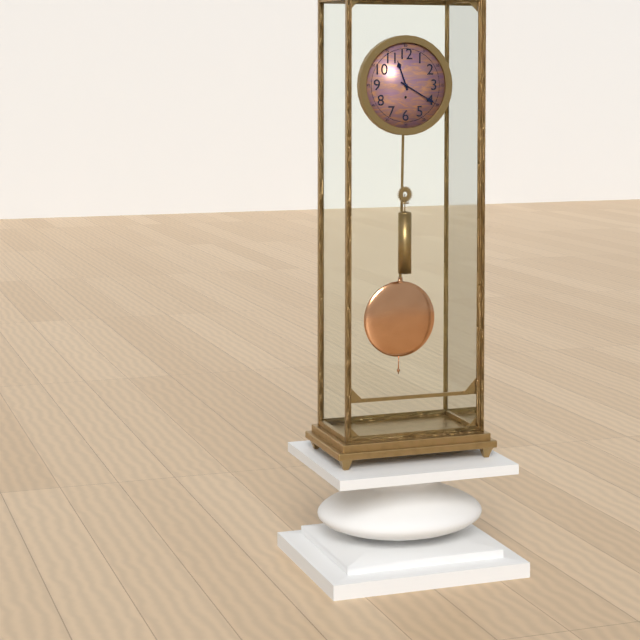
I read 11h20
